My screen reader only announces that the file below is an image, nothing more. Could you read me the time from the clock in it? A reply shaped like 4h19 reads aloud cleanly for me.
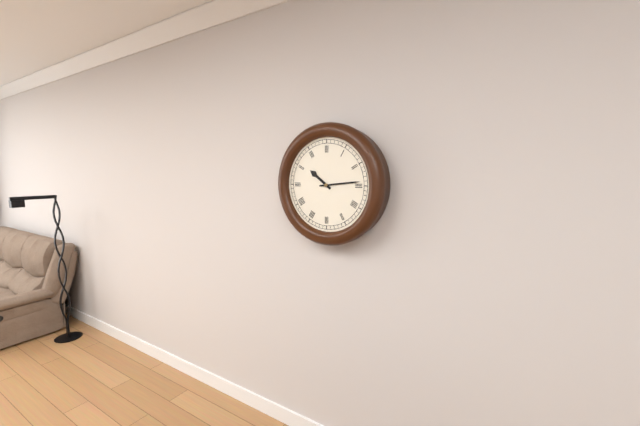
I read 10h14
